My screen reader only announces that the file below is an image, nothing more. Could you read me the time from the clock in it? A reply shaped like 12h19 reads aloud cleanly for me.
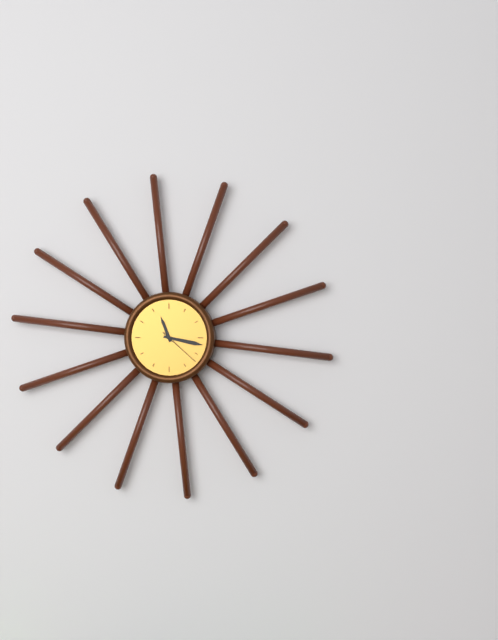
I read 11h17
